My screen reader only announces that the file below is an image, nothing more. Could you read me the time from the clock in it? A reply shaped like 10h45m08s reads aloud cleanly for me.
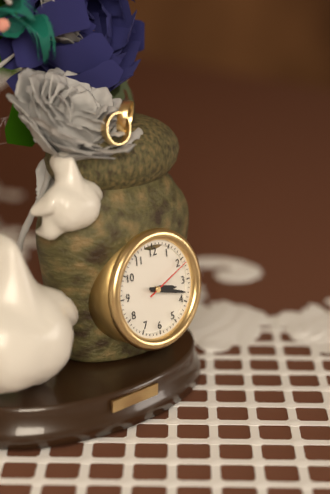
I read 3h18m11s
